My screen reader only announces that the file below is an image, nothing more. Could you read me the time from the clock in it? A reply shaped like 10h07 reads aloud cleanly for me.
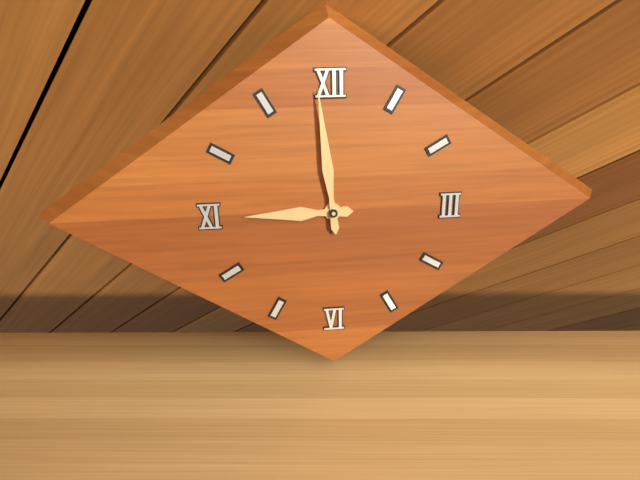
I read 8h59
